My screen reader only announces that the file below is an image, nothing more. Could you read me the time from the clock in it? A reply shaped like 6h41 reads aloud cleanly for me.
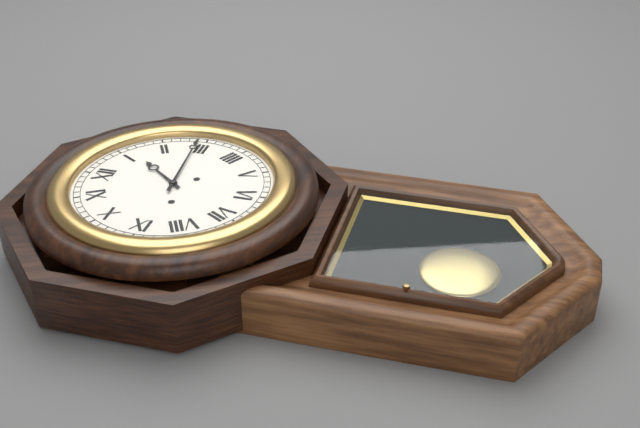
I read 1h14
